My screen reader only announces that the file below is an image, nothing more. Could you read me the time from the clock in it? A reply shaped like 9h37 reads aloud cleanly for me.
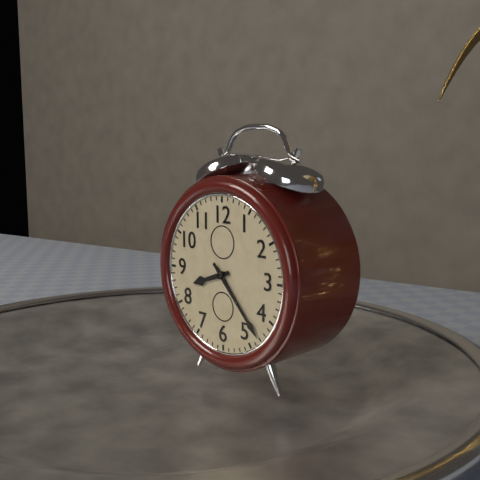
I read 8h23
